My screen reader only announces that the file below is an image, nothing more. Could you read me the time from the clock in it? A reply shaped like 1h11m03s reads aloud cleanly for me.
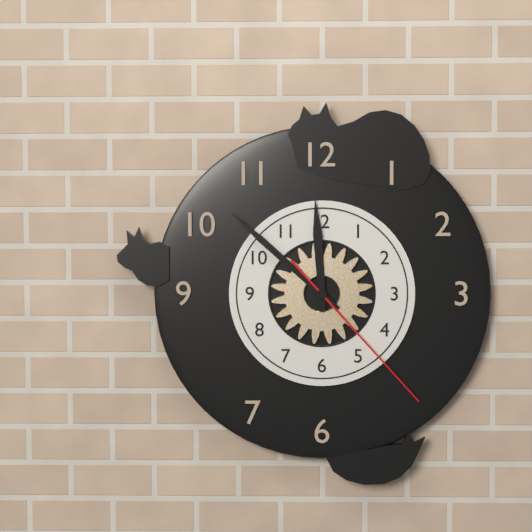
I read 11h52m23s
